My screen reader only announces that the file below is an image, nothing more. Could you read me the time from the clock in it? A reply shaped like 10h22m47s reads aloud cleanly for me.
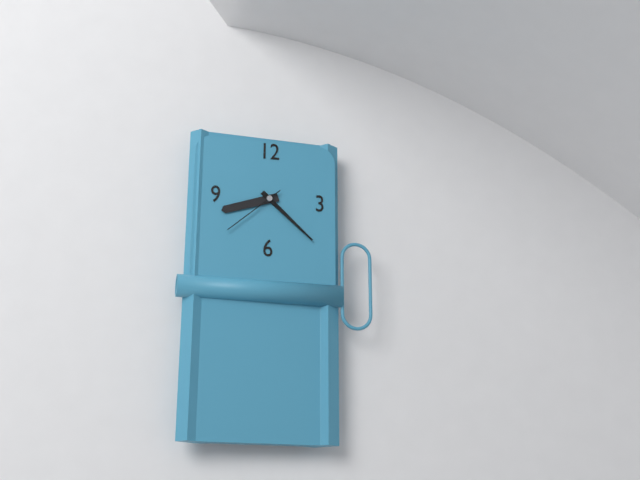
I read 8h22m38s
